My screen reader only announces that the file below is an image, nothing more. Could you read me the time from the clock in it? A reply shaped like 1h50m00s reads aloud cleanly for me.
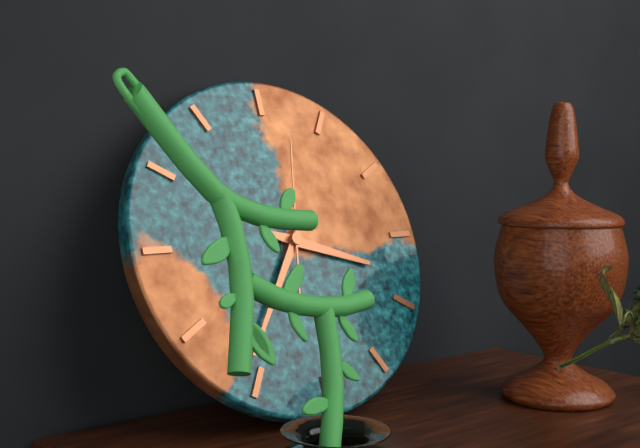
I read 3h36m02s
